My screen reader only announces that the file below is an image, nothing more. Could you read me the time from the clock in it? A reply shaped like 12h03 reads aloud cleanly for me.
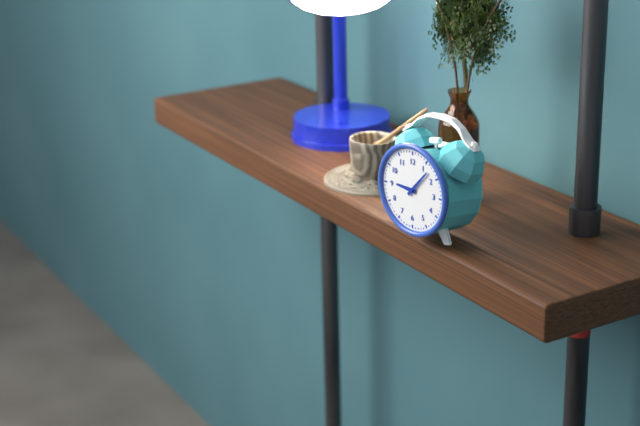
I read 9h07
